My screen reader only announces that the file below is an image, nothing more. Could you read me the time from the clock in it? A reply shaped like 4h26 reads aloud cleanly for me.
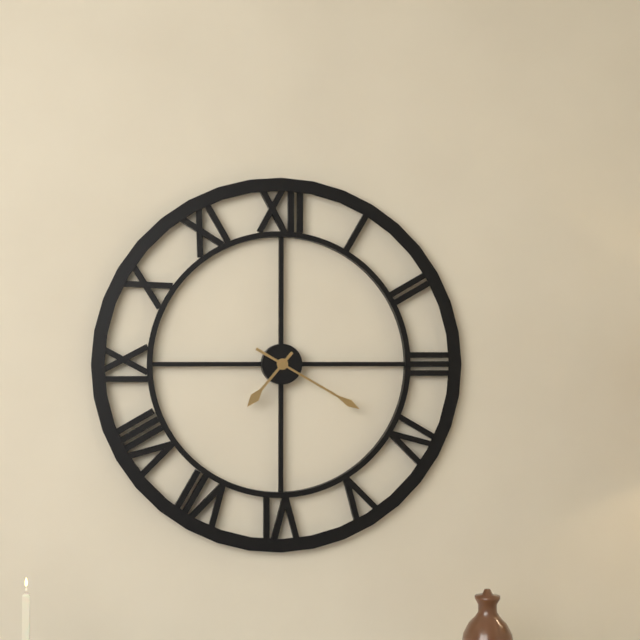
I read 7h20
